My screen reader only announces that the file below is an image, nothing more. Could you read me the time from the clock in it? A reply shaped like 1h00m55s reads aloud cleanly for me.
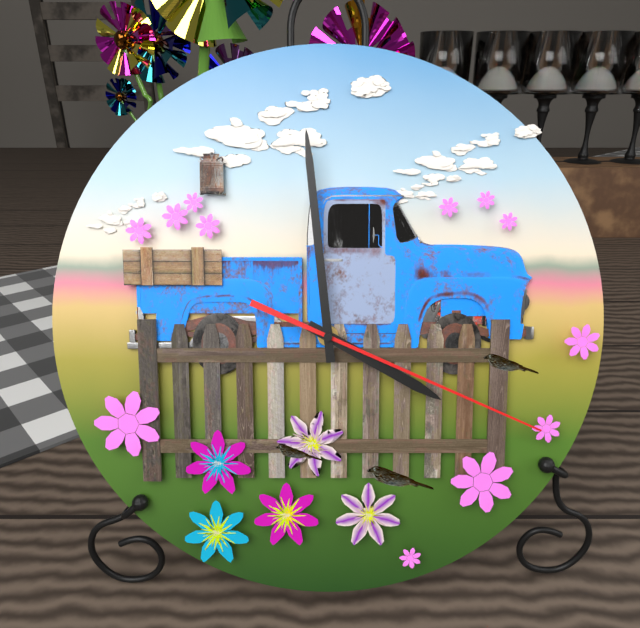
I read 3h59m19s
